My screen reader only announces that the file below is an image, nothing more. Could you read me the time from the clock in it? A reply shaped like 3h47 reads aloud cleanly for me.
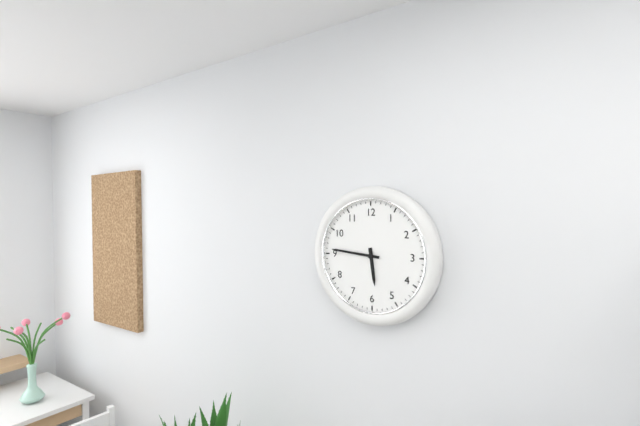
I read 5h46
